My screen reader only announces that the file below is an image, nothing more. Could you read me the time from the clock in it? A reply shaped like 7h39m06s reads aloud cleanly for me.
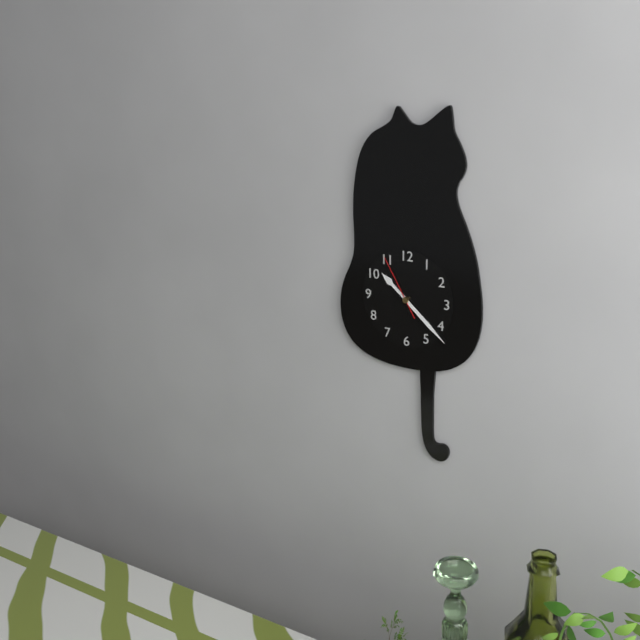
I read 10h22m55s
